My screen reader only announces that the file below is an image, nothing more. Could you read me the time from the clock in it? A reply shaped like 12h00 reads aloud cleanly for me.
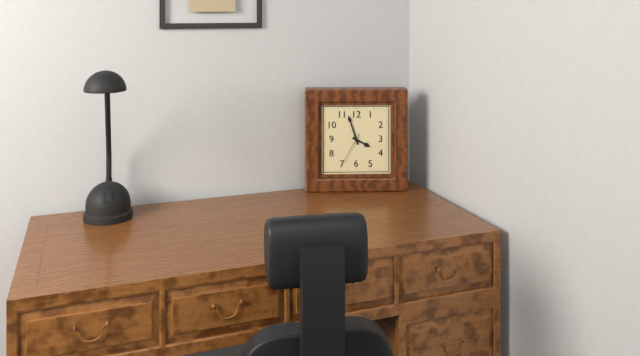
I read 3h57
